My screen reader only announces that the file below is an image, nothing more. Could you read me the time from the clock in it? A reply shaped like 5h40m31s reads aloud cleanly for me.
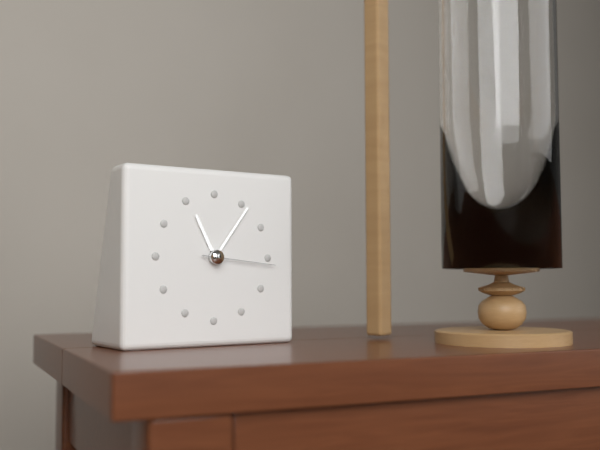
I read 11h06m16s
